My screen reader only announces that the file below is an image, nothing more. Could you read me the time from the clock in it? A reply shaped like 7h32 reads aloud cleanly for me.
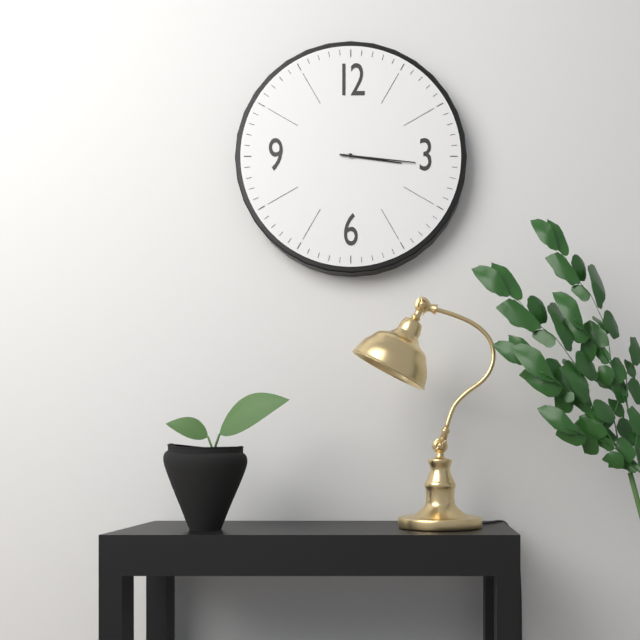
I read 3h16
